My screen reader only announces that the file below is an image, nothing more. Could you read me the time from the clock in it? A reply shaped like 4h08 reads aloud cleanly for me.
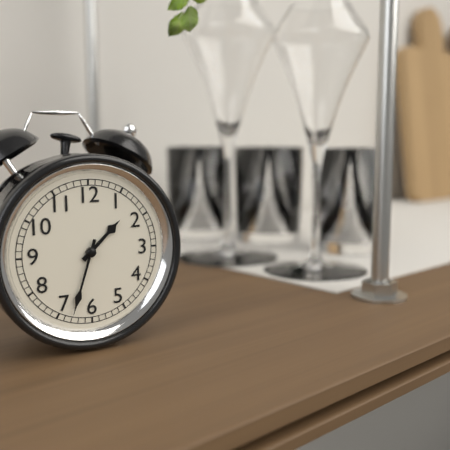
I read 1h33
